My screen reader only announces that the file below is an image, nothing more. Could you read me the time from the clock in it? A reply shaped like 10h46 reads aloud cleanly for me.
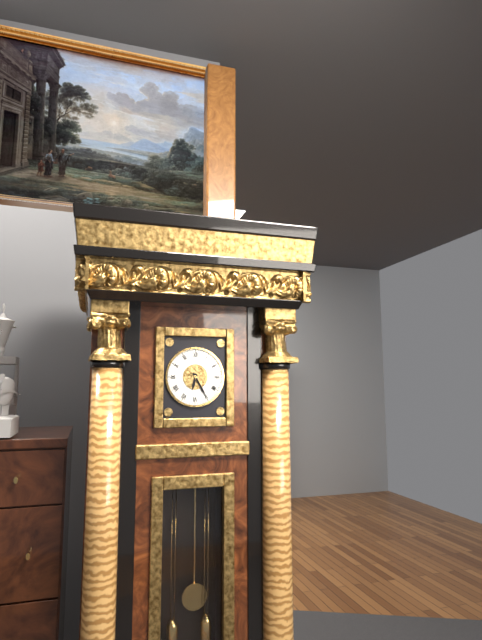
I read 6h25
